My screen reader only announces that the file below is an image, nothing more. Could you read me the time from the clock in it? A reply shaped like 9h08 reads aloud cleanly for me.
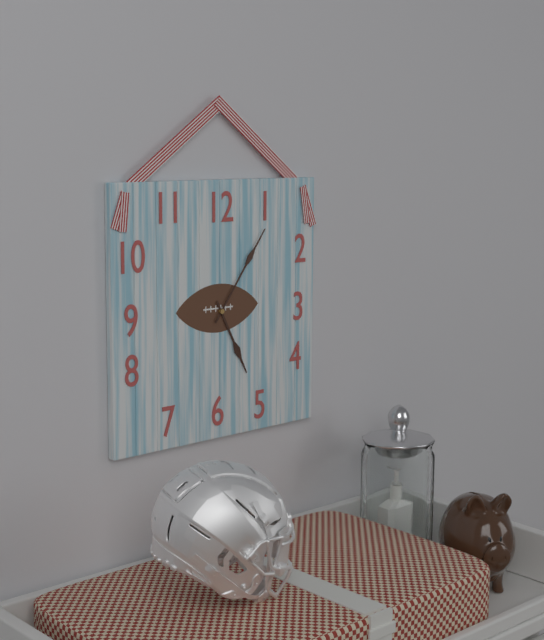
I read 5h06
